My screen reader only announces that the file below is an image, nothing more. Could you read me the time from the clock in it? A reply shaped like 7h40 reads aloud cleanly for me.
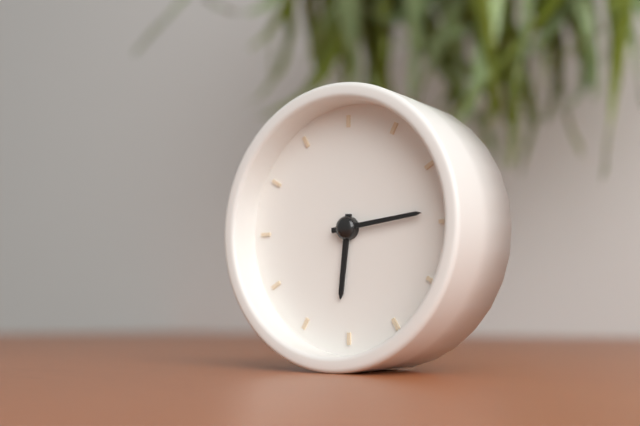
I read 6h14
